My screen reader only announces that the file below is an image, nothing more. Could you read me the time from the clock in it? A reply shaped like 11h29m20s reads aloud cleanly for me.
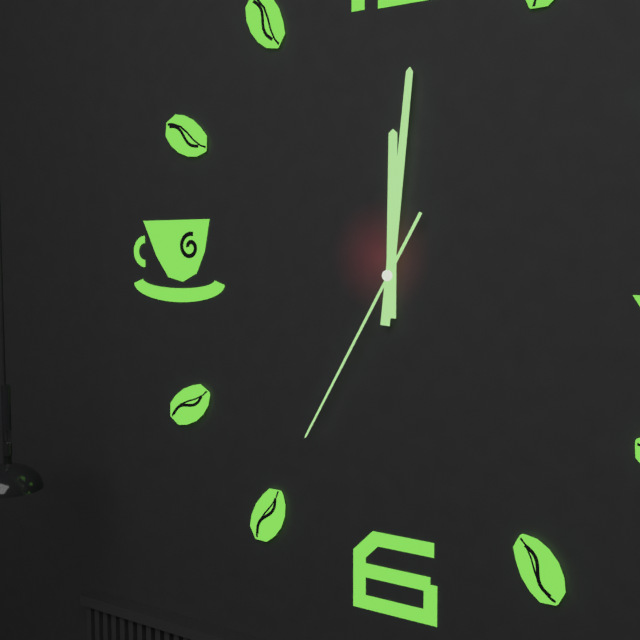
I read 12h01m35s
